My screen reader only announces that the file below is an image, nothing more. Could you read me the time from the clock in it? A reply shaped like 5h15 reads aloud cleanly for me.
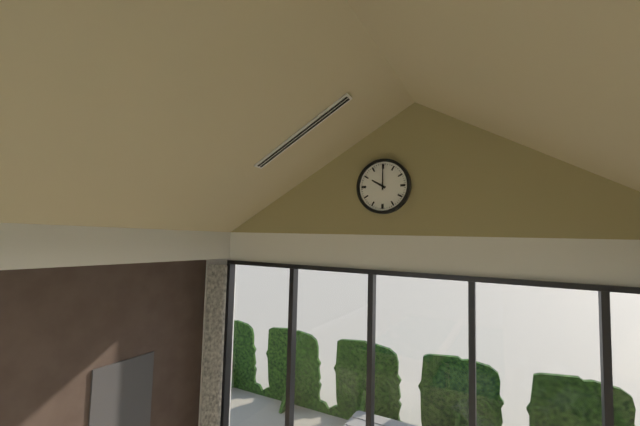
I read 10h00
